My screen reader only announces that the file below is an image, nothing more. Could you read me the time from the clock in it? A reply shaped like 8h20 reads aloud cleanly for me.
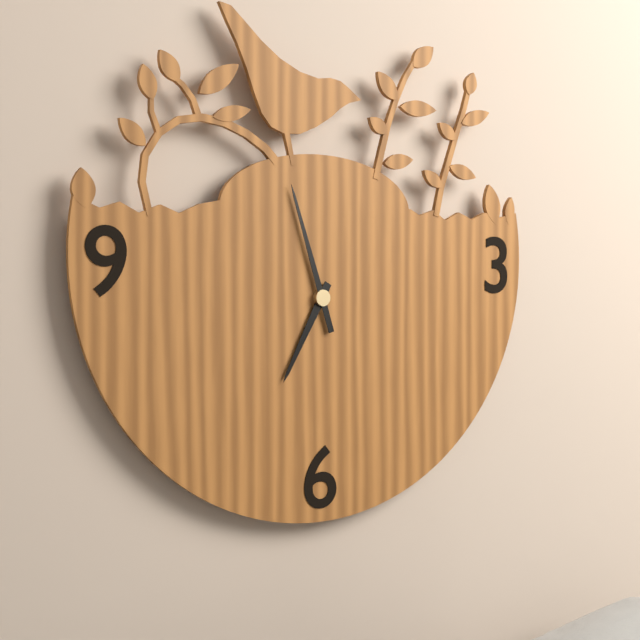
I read 6h57
